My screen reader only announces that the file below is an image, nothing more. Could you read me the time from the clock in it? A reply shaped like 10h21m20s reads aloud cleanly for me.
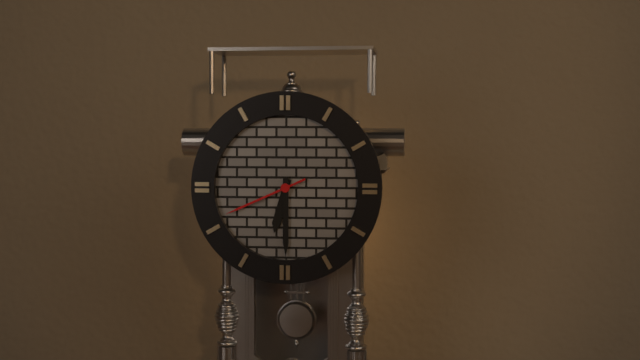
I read 6h30m41s
